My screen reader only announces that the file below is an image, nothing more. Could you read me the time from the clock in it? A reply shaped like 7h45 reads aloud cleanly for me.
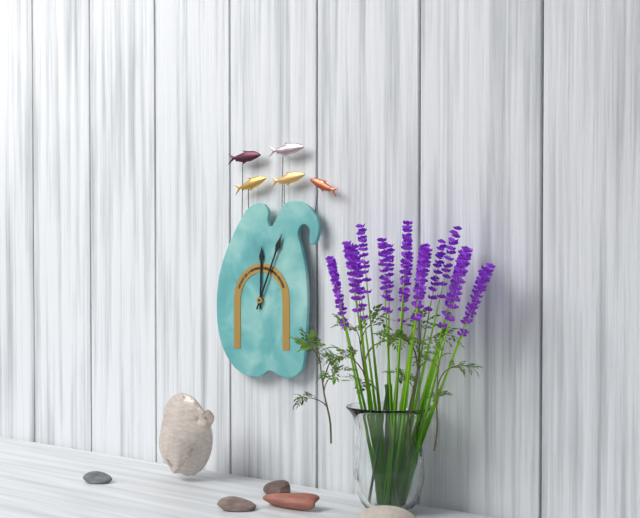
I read 12h04
